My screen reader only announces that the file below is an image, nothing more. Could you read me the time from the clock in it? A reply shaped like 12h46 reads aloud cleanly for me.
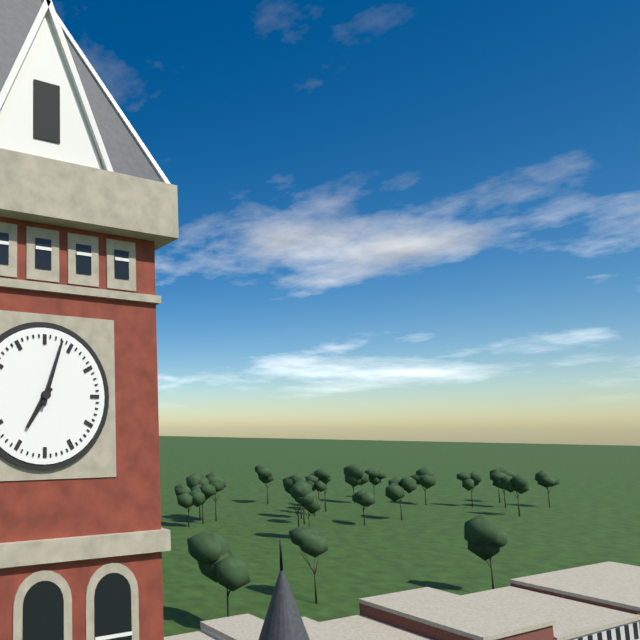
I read 7h03
